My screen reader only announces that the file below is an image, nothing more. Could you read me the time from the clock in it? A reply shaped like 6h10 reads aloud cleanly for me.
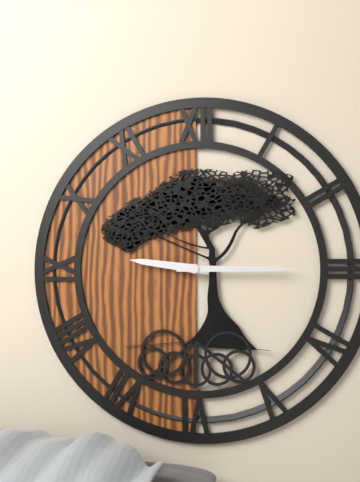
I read 9h15
